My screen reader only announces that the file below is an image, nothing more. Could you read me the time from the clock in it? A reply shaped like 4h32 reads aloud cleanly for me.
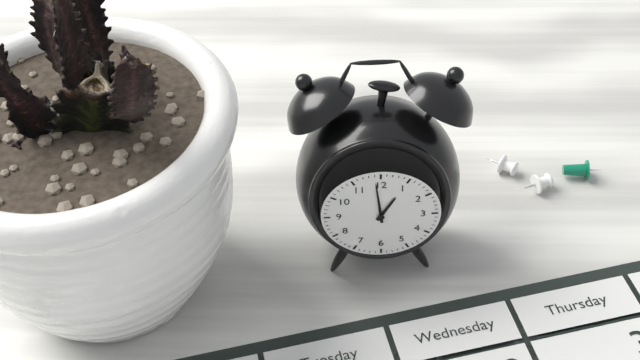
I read 12h59
